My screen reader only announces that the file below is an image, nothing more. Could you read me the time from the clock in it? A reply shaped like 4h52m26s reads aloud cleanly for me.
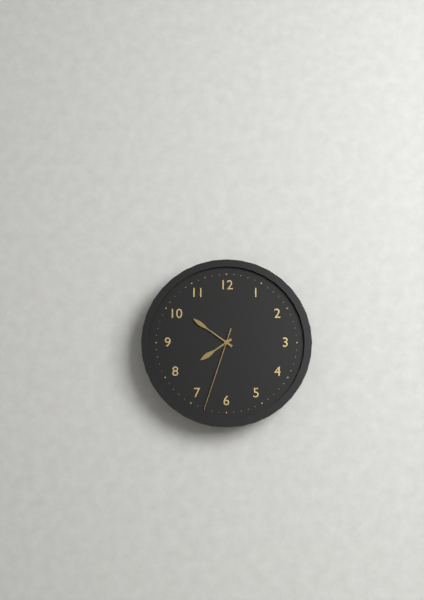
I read 7h51m33s
